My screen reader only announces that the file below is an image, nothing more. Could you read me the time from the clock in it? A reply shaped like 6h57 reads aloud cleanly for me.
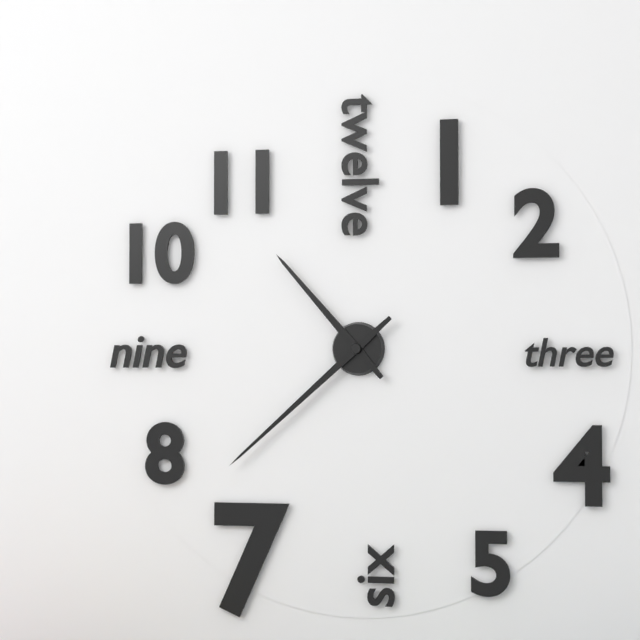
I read 10h38
